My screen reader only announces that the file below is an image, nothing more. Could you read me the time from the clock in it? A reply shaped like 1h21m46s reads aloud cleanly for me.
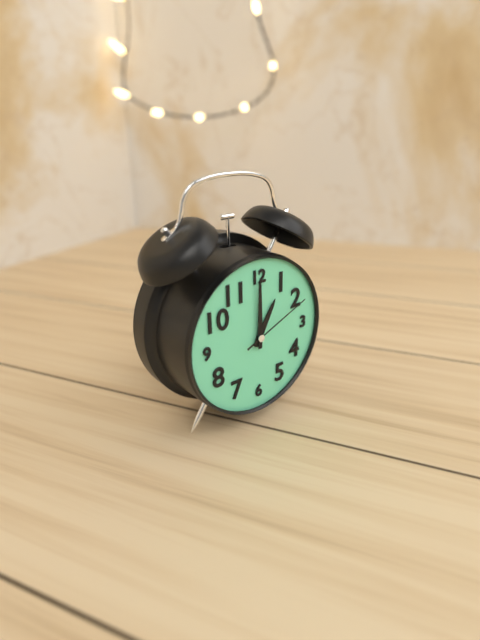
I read 1h00m11s
